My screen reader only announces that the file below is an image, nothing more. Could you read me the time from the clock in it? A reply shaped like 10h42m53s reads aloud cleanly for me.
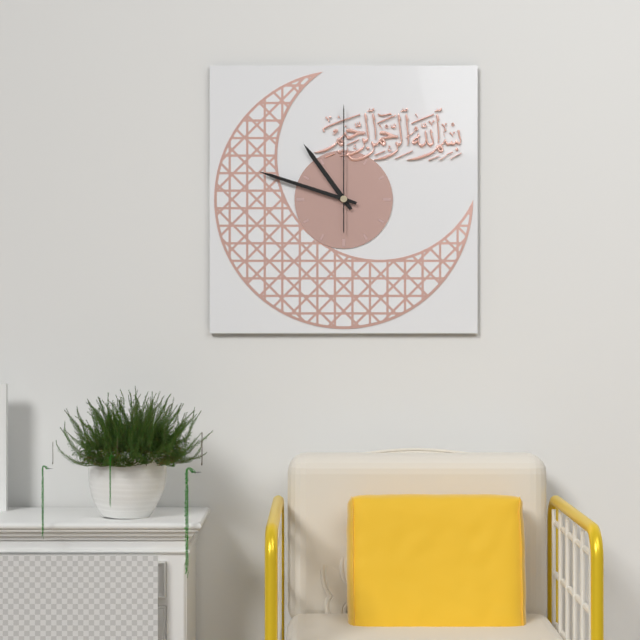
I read 10h48m00s
